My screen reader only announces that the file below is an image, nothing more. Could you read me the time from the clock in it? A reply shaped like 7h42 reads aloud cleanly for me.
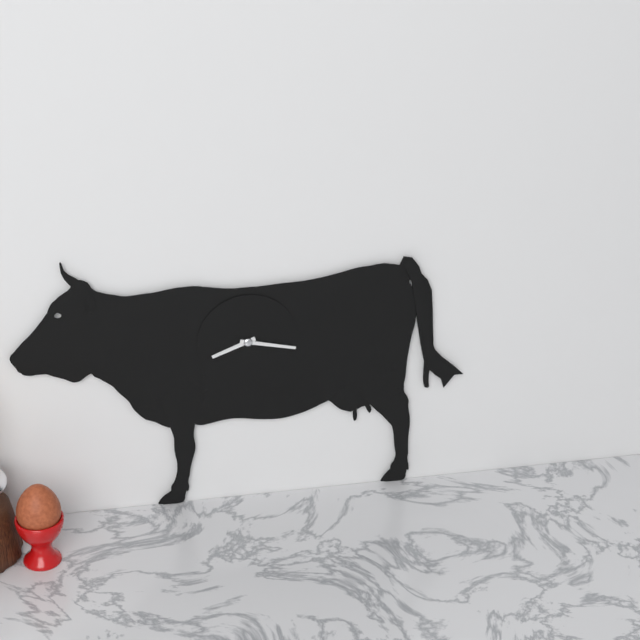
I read 8h17
